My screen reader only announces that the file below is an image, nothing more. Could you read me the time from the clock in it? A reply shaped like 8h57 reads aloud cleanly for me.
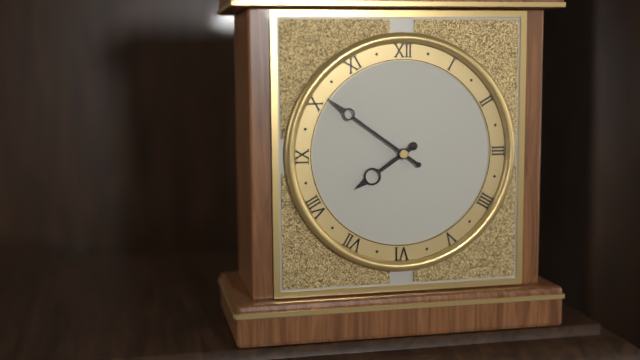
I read 7h51
